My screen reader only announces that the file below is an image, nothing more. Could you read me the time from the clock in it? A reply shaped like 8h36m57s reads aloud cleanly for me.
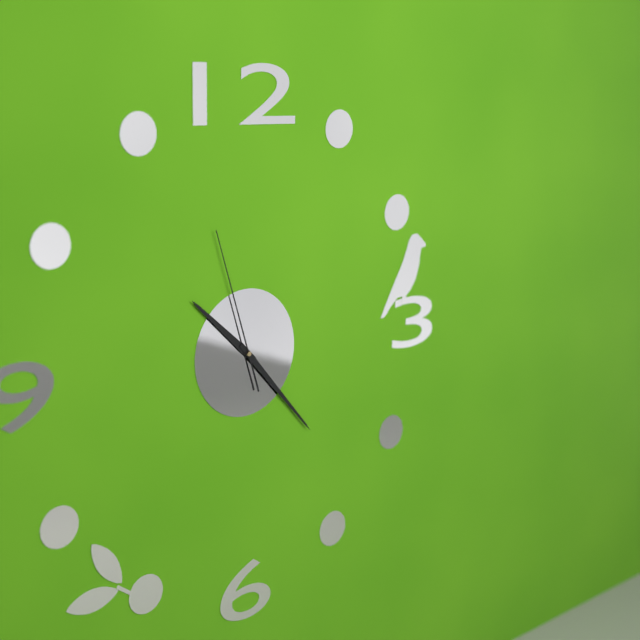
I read 10h23m57s
